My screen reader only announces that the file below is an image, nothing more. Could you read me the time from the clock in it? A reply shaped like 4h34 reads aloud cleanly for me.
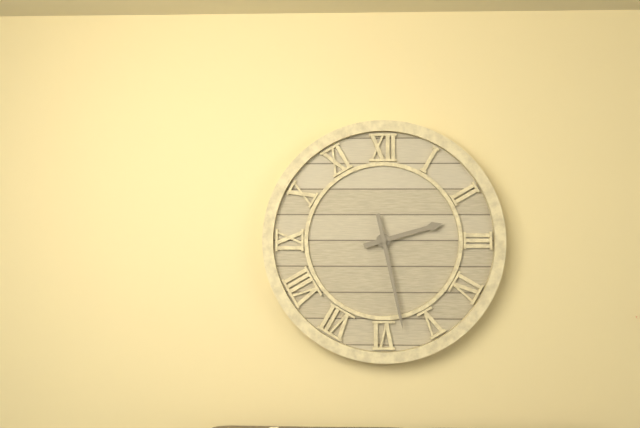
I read 2h28
